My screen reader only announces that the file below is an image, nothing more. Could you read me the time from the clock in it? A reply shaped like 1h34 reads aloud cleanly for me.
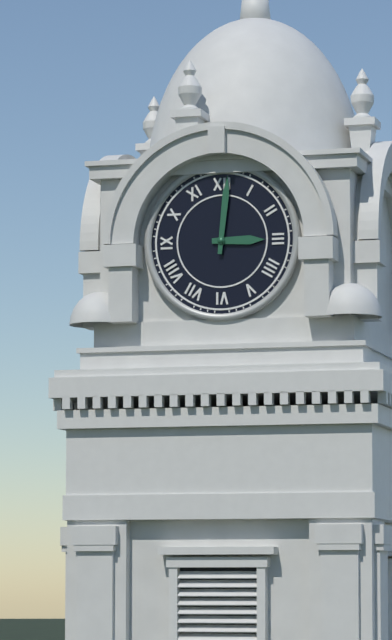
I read 3h01
